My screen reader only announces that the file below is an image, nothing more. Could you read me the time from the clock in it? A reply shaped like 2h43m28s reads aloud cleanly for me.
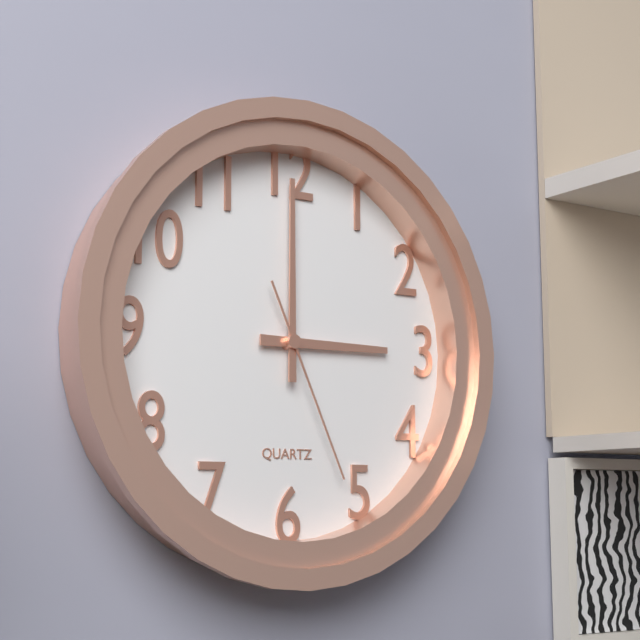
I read 3h00m26s
